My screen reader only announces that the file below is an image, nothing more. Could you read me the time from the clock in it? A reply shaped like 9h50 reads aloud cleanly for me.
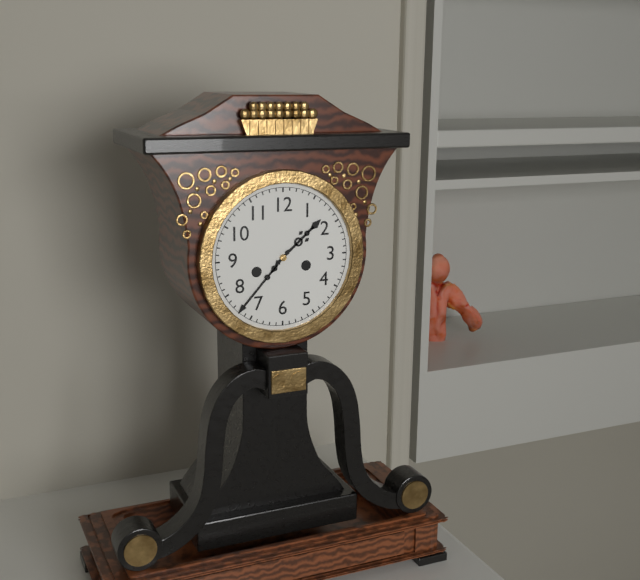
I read 1h37
